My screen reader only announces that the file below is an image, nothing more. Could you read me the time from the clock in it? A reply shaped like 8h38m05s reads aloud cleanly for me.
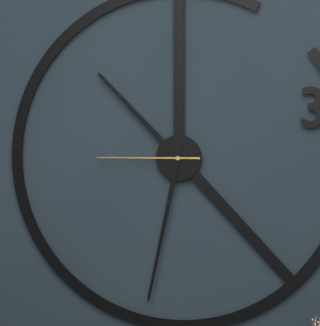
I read 10h32m45s
